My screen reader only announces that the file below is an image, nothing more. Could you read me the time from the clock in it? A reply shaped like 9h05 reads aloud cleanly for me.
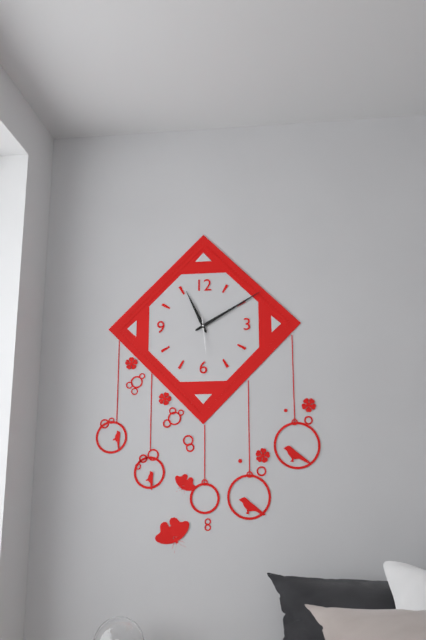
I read 11h10
